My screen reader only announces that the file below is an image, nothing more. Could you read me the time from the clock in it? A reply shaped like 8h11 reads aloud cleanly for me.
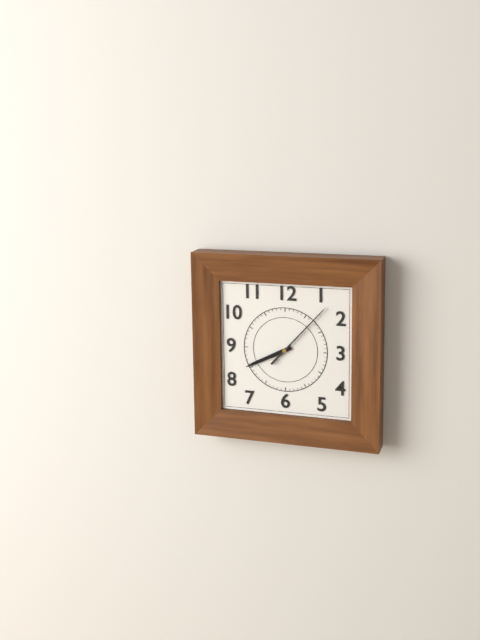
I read 8h07
